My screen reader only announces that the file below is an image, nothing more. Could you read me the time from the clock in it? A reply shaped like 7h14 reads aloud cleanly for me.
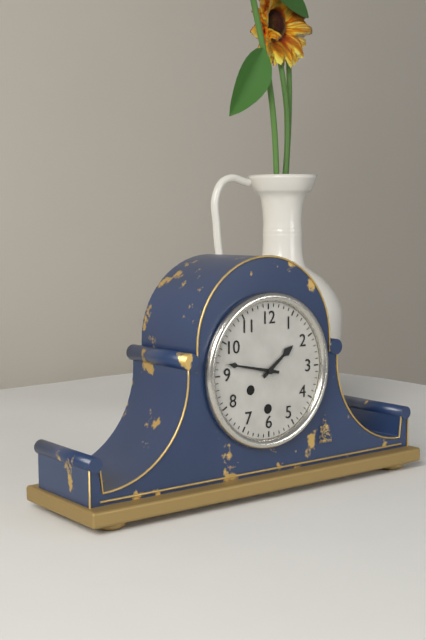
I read 1h47
